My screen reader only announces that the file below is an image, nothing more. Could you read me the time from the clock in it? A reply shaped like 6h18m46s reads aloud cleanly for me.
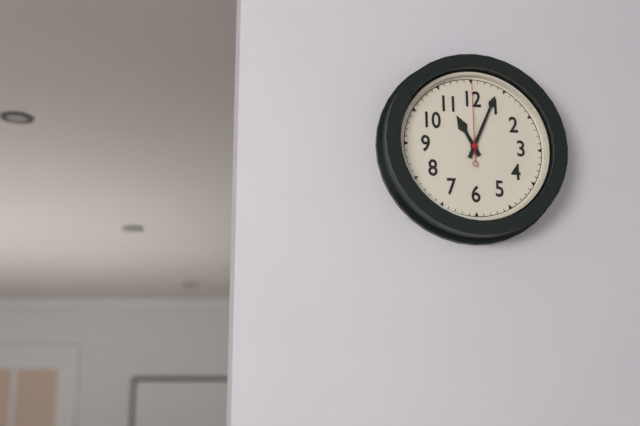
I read 11h04m00s
